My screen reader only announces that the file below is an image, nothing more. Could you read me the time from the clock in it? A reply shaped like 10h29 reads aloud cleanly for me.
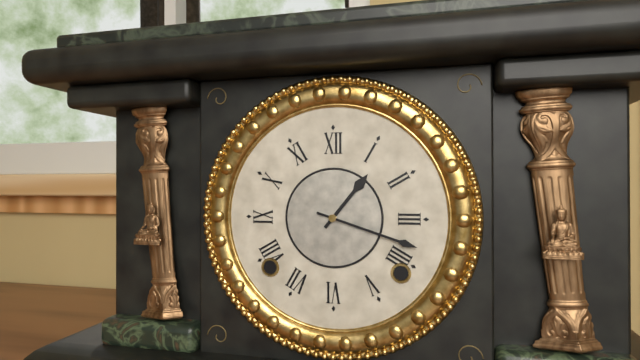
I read 1h18
